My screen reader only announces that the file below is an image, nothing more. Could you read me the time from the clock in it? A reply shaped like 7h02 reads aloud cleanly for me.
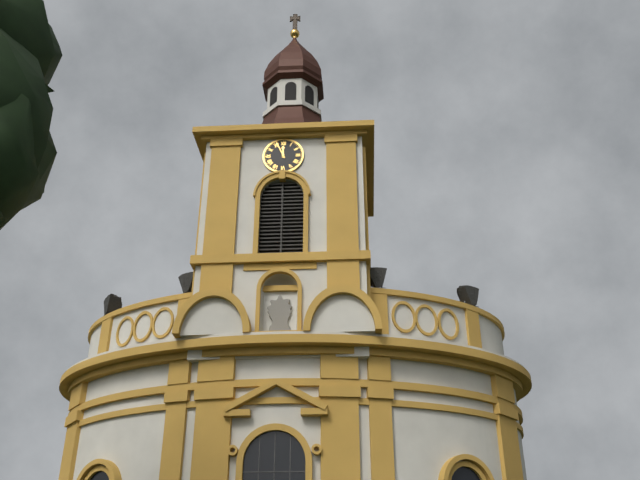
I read 11h56
